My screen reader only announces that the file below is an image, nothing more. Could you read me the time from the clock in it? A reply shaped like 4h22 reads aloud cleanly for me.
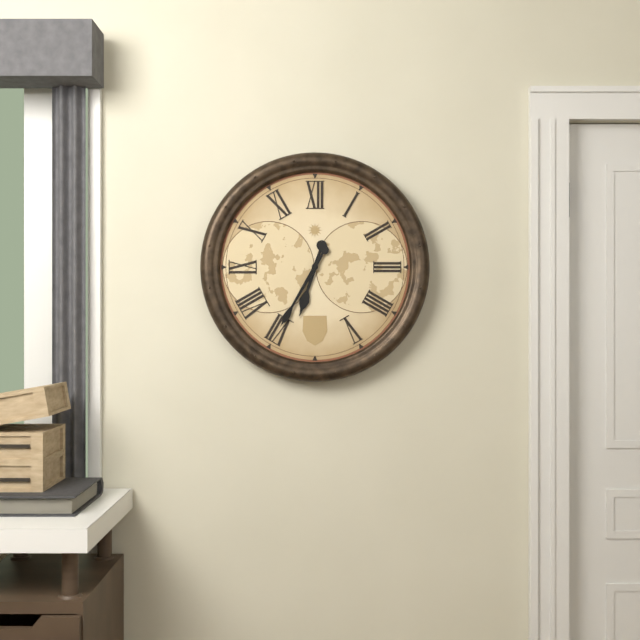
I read 6h35
